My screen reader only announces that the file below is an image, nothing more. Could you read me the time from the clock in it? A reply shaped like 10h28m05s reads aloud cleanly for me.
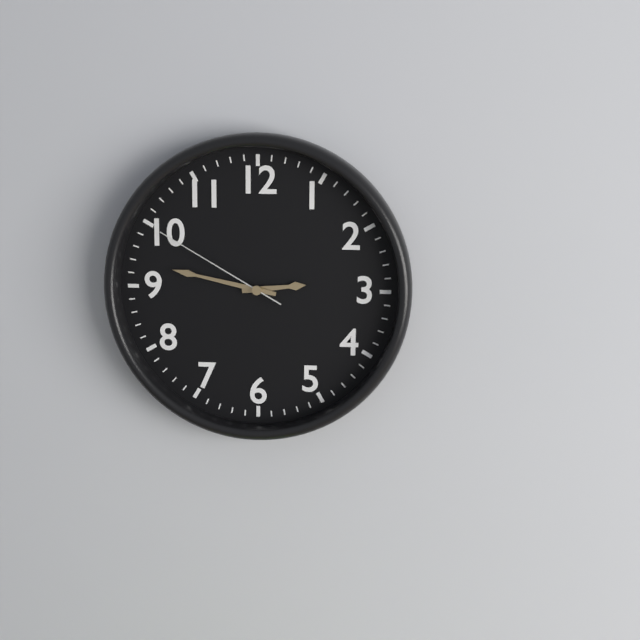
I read 2h47m50s
